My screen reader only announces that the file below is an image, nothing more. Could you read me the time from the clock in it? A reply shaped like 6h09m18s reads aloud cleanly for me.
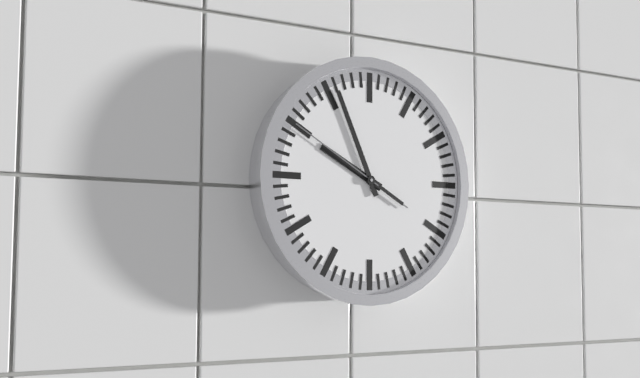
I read 9h56m50s
